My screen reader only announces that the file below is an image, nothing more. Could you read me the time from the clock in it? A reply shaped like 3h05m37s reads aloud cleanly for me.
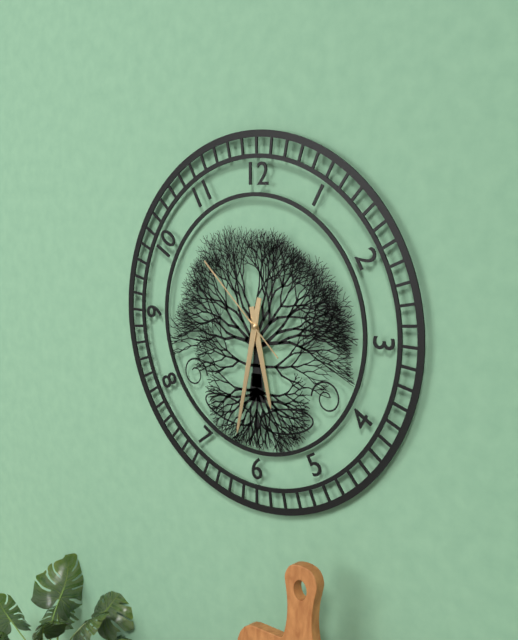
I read 5h32m52s
